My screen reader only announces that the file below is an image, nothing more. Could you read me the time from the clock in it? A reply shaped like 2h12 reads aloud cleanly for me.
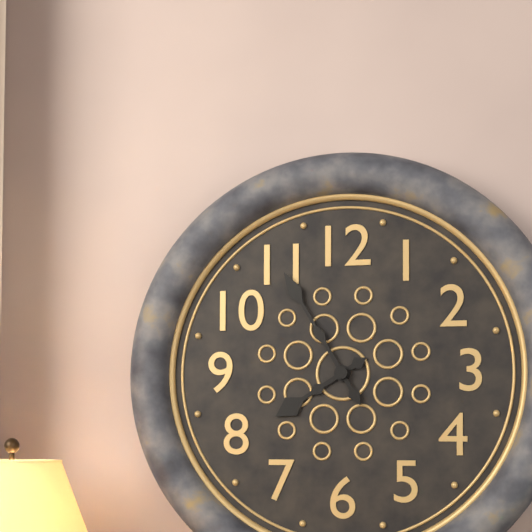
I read 7h55
